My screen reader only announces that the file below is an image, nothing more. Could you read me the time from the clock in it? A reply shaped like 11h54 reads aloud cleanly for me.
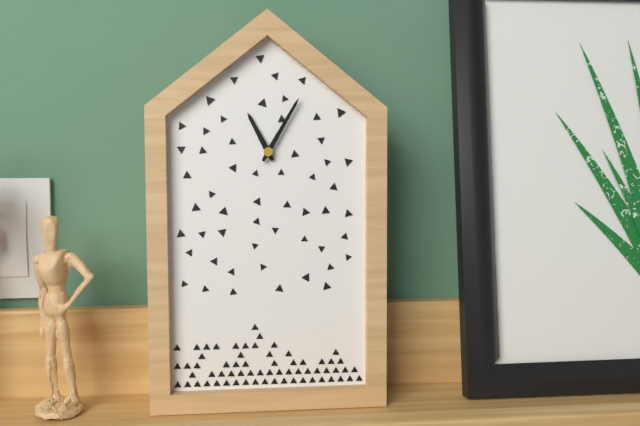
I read 11h05
